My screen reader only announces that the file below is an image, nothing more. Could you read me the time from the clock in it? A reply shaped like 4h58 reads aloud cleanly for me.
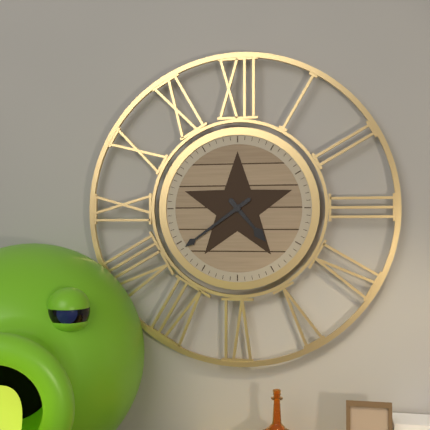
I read 4h39
